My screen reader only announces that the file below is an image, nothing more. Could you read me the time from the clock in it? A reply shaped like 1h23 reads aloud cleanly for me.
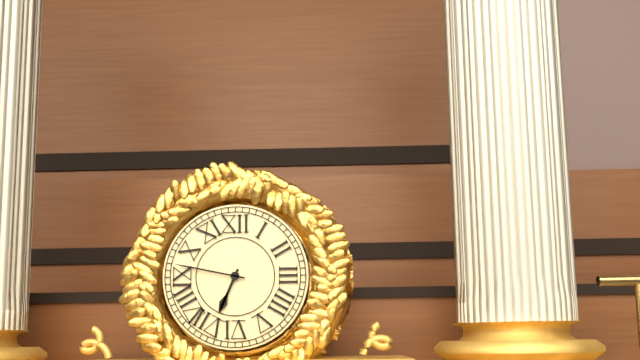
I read 6h47
